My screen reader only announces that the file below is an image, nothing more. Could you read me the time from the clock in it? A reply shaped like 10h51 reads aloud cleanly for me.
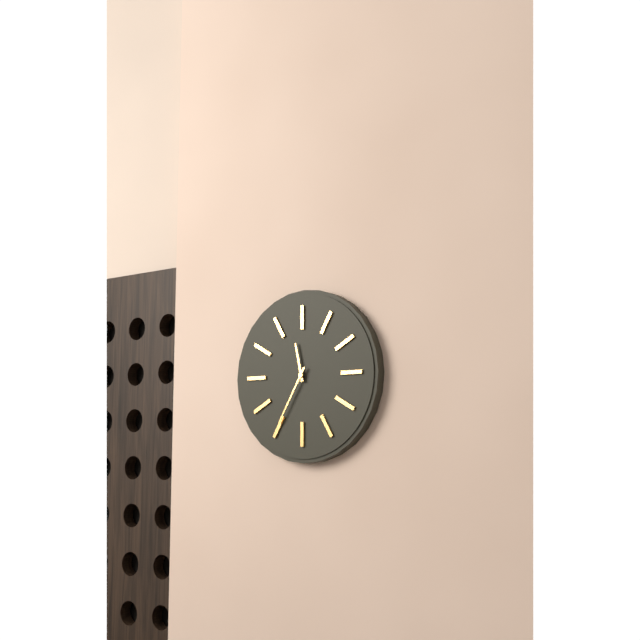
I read 11h35
